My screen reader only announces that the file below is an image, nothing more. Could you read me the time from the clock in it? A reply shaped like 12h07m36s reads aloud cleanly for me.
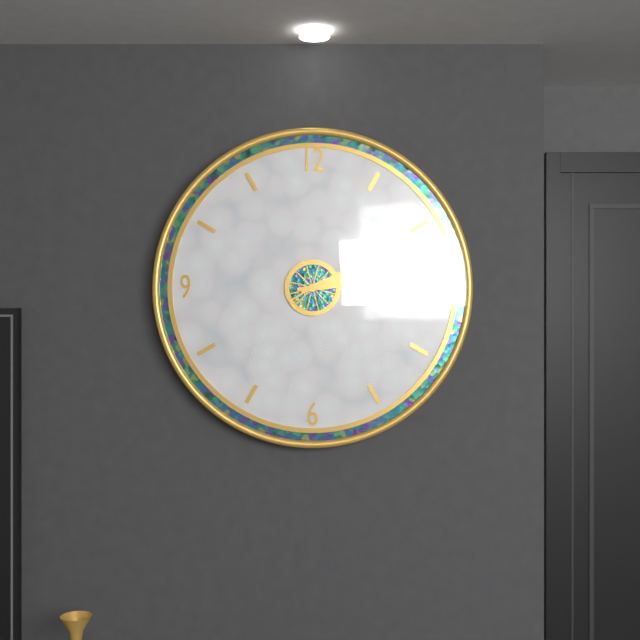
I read 2h14m10s
